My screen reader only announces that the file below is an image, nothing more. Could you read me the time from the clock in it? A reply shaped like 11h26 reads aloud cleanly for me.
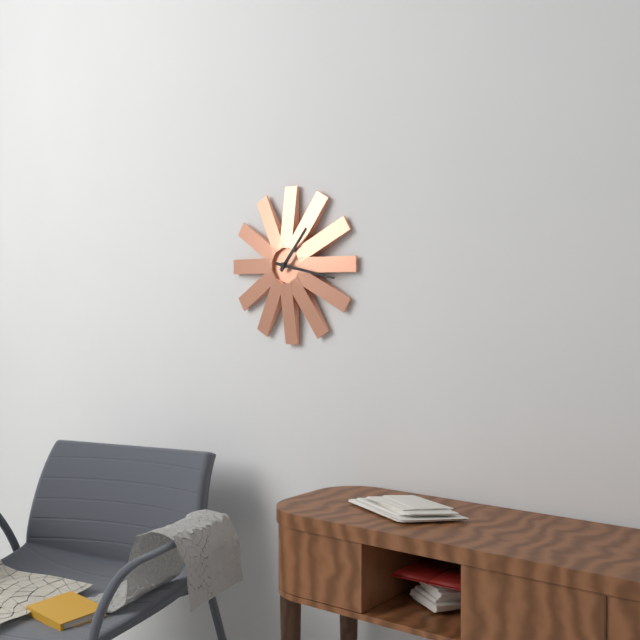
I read 1h17
